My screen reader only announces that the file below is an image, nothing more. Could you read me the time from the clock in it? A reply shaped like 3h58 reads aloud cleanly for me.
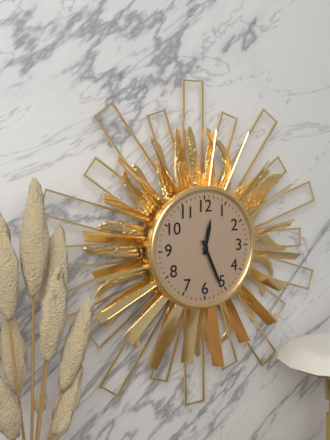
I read 12h26
